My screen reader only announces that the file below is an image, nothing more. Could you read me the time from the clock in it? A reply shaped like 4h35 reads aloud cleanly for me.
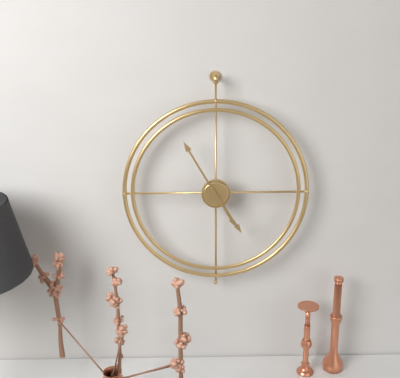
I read 4h55
